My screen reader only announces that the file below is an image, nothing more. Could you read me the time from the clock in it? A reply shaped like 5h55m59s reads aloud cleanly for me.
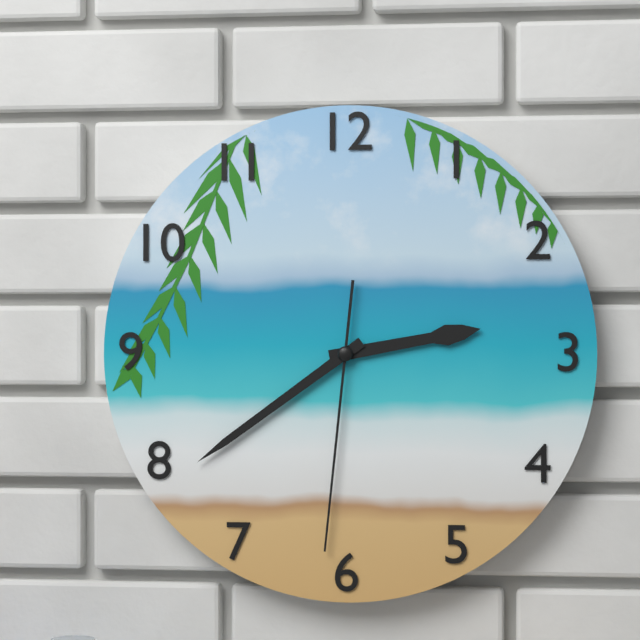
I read 2h39m31s
